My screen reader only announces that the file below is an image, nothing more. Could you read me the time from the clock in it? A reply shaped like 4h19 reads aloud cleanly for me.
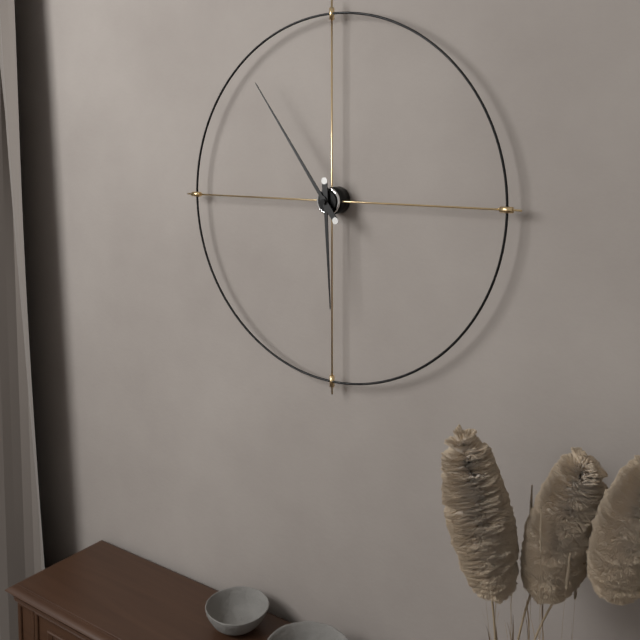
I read 5h54
